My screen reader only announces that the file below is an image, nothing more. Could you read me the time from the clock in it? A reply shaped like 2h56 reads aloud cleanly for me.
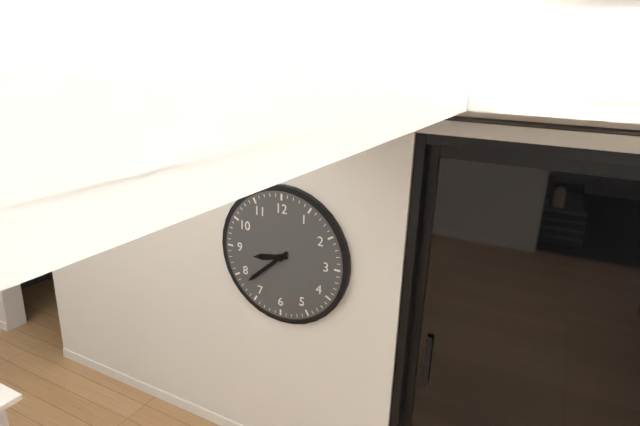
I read 8h38
